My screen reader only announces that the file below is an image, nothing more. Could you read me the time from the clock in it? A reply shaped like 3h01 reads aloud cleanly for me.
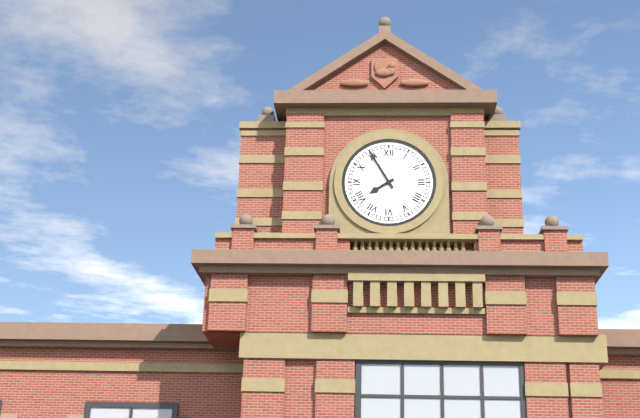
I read 7h55
